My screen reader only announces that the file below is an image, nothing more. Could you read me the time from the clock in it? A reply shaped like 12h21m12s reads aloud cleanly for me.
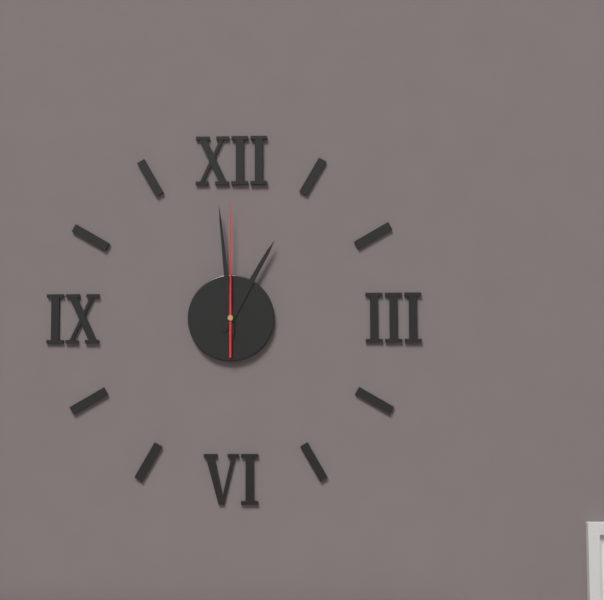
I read 12h59m00s
